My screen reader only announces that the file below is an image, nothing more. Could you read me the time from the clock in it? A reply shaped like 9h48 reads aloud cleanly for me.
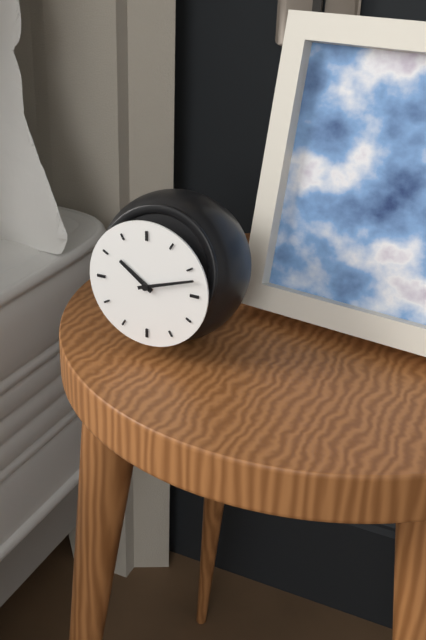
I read 10h12
